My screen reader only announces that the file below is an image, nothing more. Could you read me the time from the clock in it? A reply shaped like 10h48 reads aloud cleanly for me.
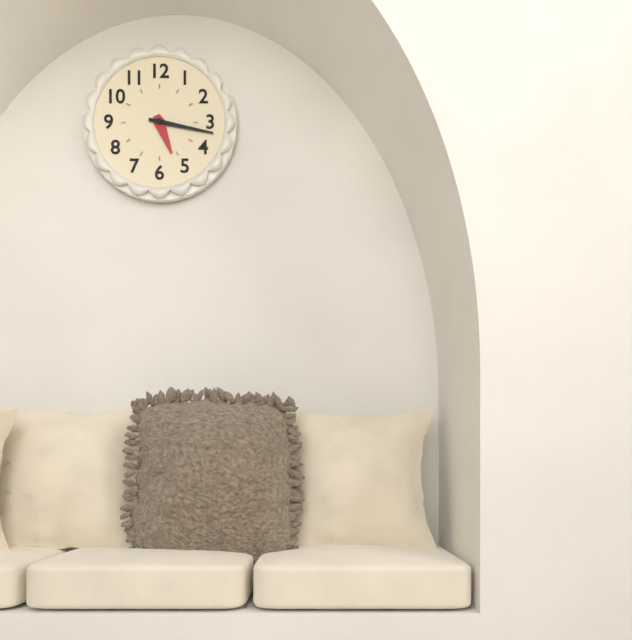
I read 5h17
